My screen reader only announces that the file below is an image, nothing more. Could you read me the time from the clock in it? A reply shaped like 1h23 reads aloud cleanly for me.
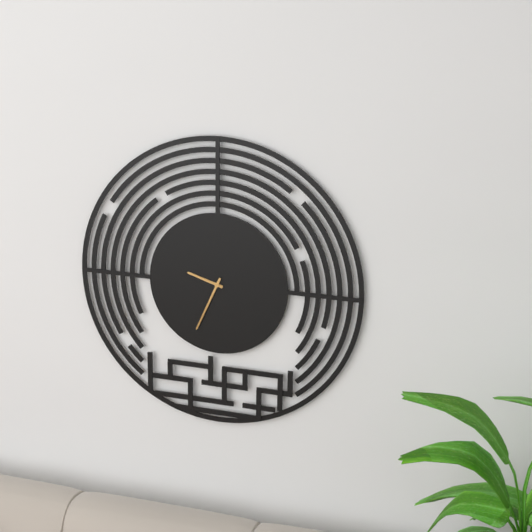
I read 9h34
